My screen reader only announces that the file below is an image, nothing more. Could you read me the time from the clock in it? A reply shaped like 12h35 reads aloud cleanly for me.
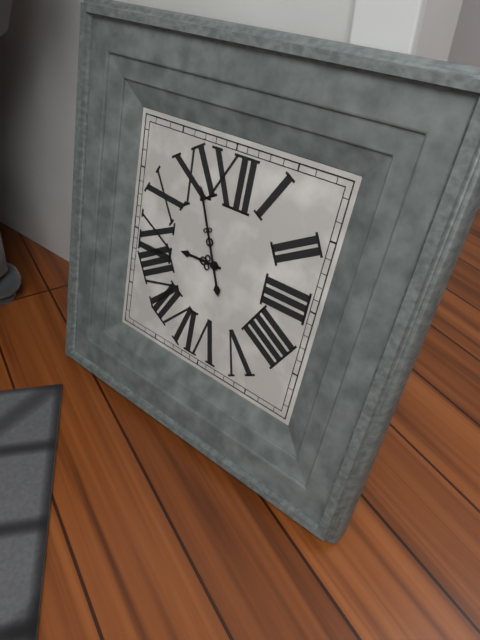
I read 8h56
